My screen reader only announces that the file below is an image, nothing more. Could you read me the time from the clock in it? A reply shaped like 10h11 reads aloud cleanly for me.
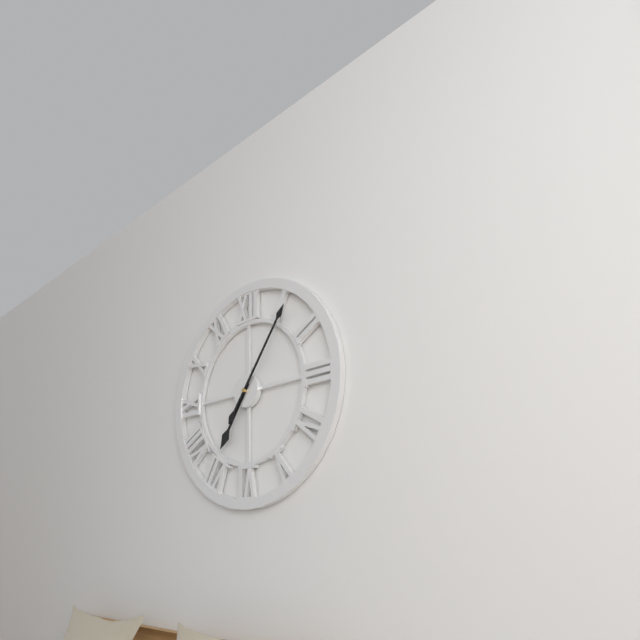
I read 7h06
